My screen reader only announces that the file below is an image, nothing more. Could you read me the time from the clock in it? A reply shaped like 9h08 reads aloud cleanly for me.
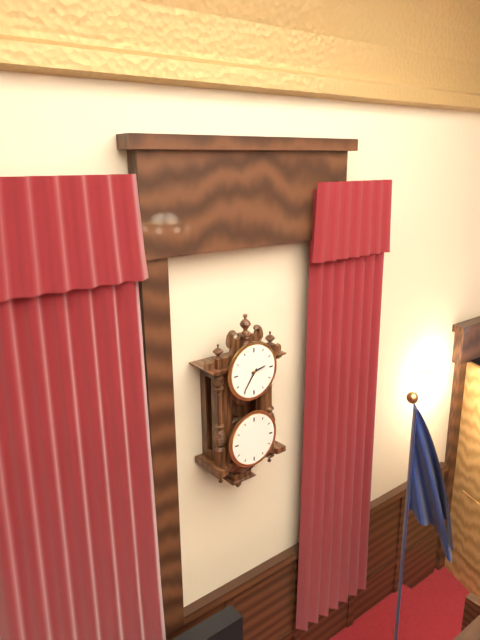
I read 2h36
